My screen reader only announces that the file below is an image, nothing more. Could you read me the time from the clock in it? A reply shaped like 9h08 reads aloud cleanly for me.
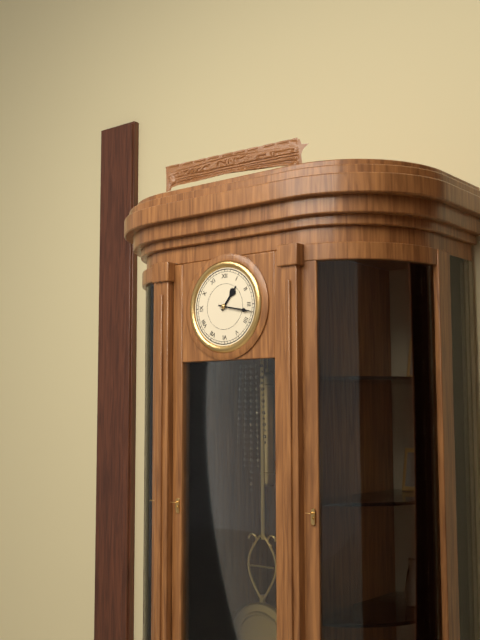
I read 1h17
